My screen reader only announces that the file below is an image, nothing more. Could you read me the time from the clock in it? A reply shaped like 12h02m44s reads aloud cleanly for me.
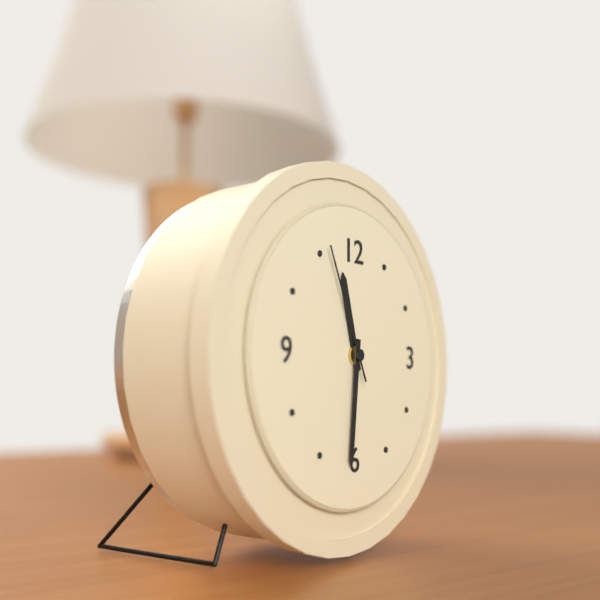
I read 11h31m56s
